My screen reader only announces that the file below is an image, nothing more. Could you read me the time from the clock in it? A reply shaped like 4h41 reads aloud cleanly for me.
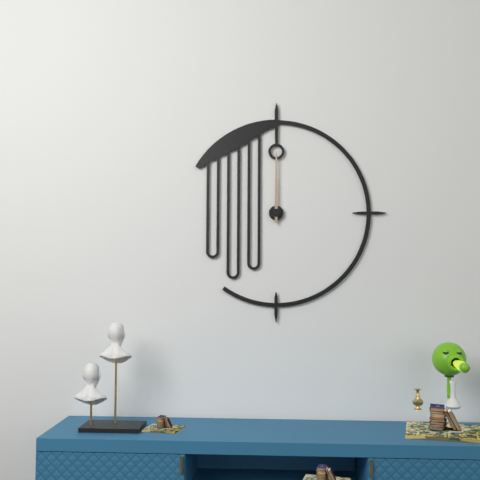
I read 12h00
